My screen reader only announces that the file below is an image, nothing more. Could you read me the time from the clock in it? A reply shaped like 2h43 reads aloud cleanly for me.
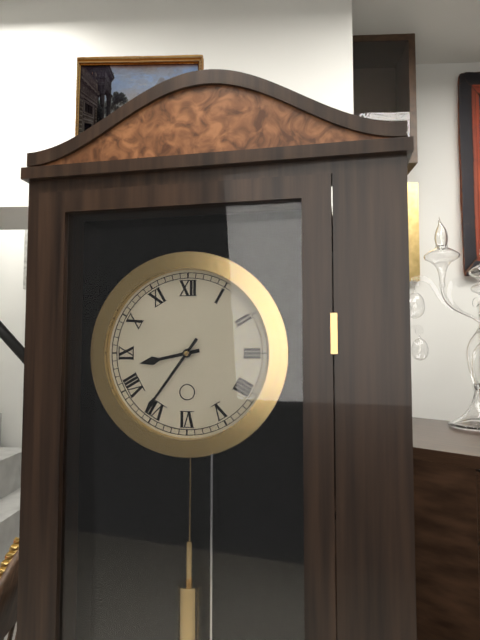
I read 8h36
